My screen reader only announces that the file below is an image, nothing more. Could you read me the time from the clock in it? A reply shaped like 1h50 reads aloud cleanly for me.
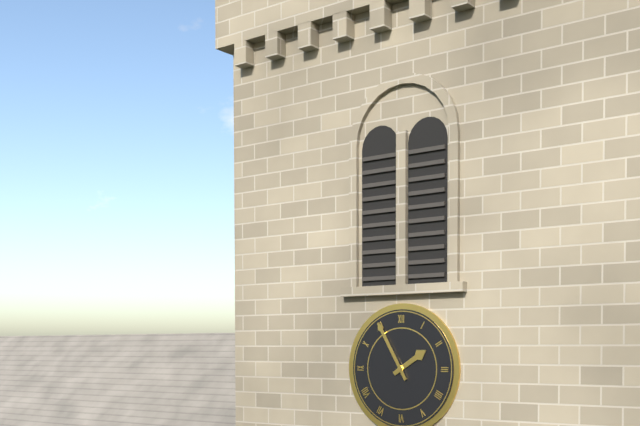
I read 1h55
